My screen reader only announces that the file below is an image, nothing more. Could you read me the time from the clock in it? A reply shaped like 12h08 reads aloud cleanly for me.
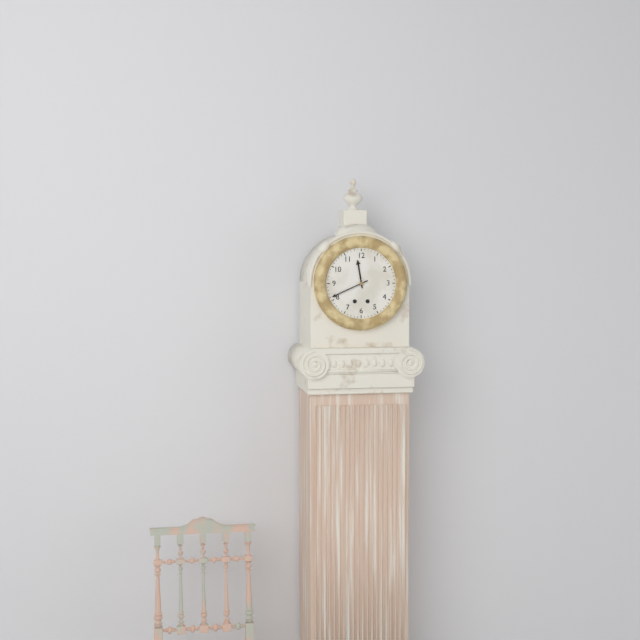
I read 11h41
